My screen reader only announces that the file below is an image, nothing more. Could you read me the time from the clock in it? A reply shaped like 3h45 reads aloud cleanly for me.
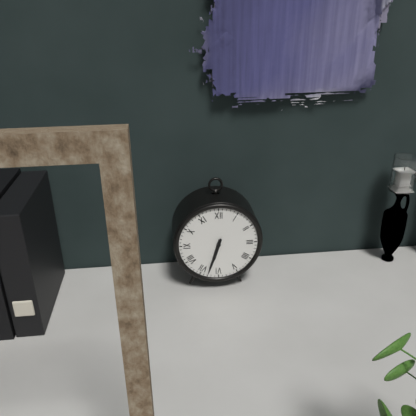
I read 6h33
